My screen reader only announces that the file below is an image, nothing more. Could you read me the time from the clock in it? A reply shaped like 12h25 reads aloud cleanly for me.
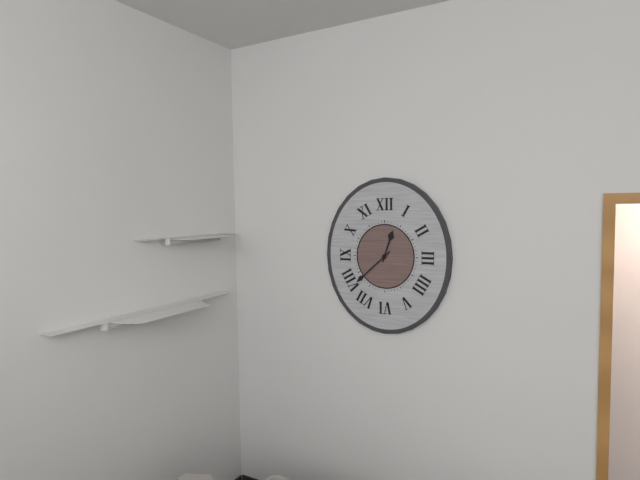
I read 12h38
